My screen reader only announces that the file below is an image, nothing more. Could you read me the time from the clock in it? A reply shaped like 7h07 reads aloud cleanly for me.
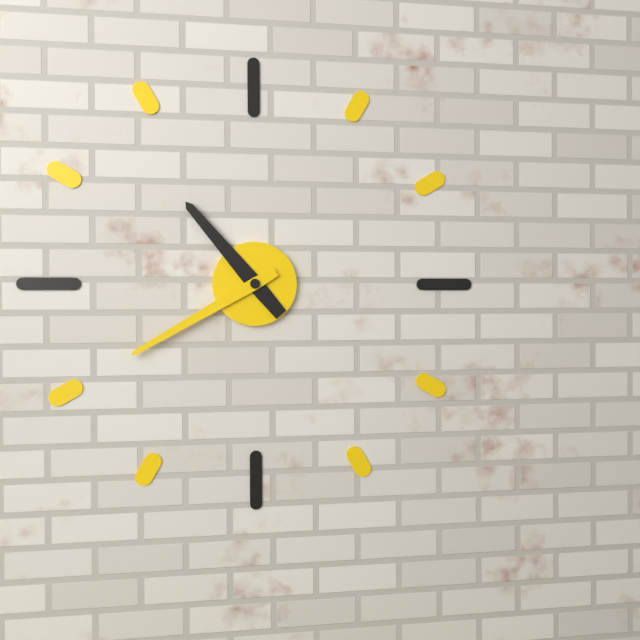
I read 10h40
